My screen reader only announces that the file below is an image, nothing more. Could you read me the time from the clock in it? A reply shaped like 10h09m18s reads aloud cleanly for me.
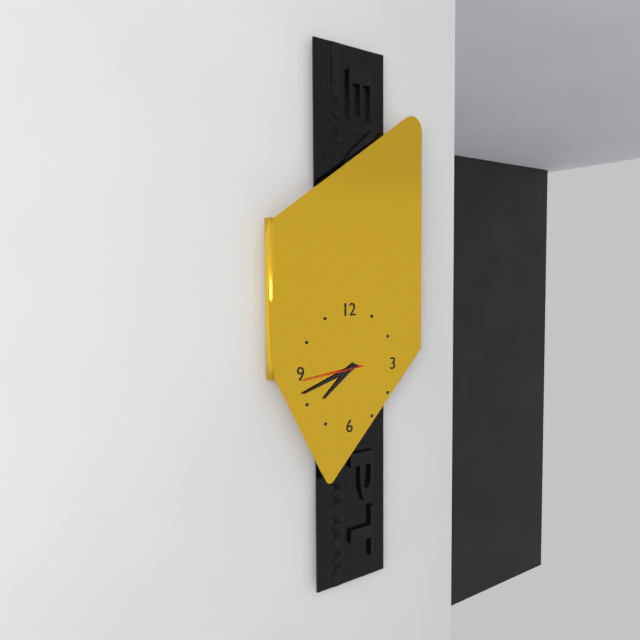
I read 7h42m44s
